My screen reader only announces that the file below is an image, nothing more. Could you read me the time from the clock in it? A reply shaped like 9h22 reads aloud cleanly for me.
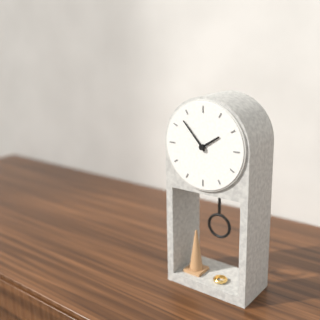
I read 1h53
